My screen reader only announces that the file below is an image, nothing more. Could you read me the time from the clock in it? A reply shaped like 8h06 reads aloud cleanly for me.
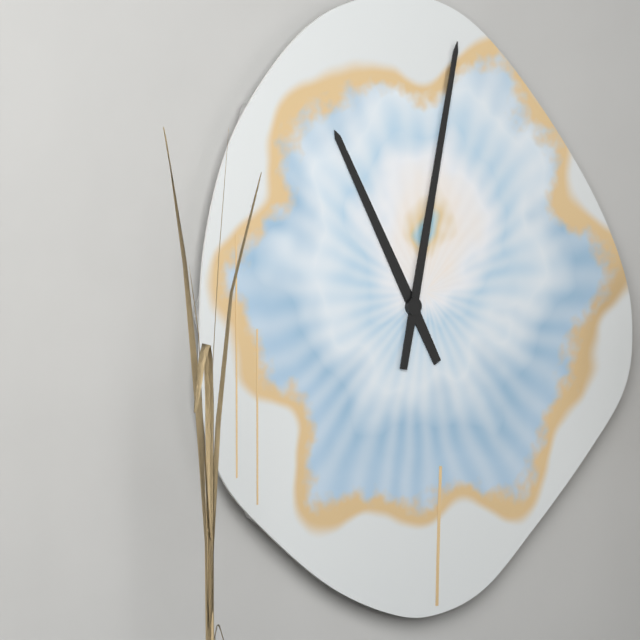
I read 11h02
